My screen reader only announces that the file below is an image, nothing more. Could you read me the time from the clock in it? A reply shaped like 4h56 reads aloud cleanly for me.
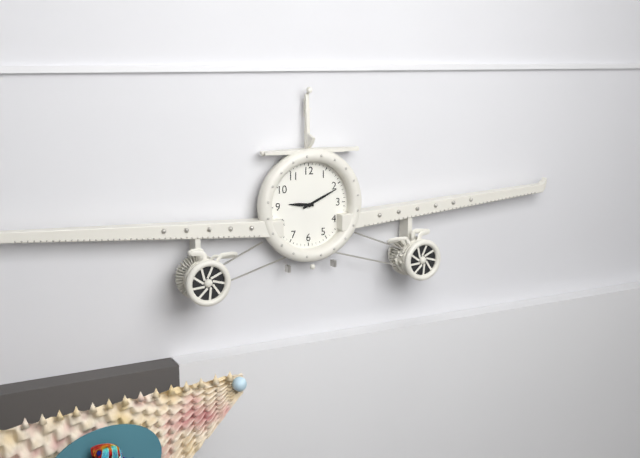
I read 9h11
